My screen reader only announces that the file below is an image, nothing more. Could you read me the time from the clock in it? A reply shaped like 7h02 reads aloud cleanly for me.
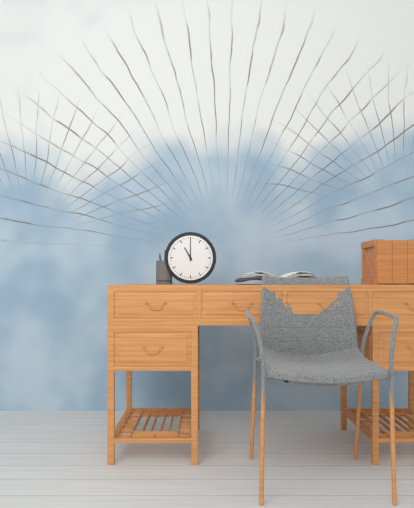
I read 11h00
